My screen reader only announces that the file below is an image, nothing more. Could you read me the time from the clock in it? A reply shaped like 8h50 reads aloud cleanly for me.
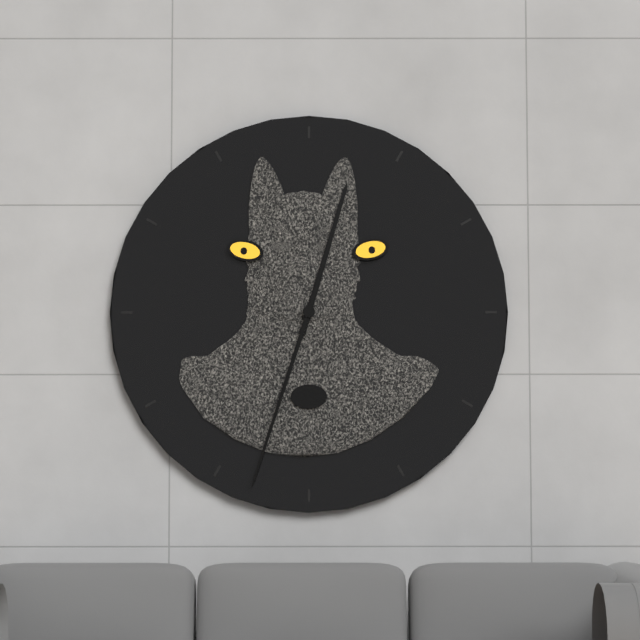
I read 12h33
